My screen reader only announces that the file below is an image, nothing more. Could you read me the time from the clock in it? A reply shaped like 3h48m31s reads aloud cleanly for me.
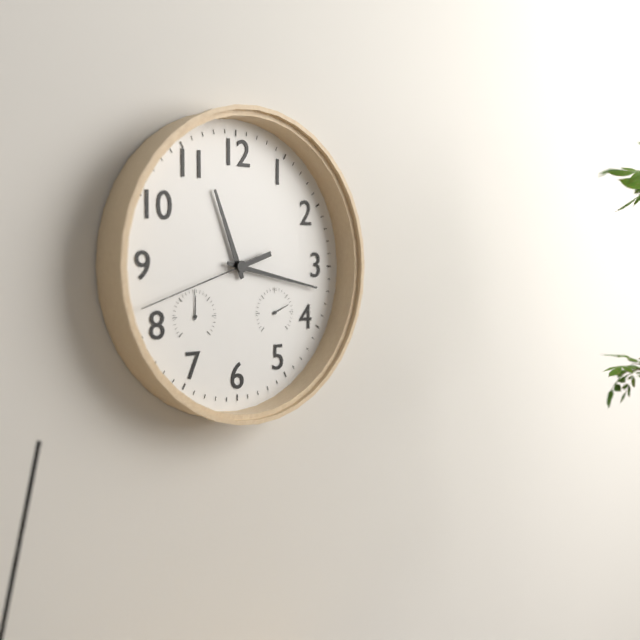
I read 11h17m42s
